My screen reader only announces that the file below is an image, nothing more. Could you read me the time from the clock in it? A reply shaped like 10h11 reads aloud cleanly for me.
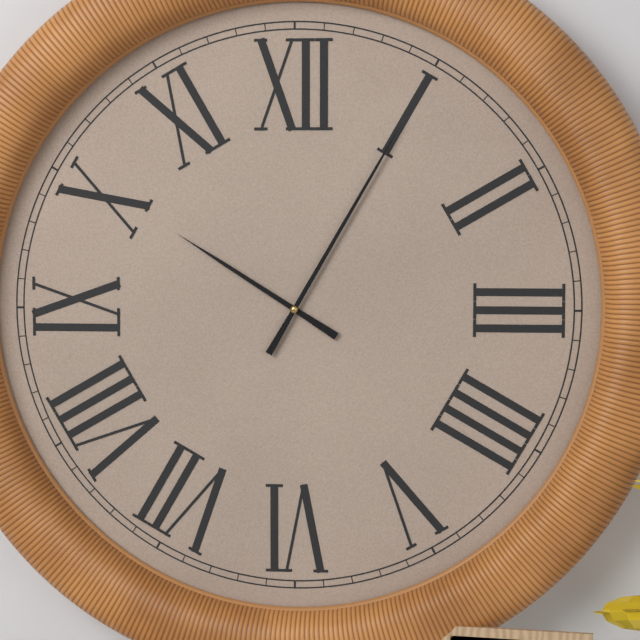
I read 10h05
